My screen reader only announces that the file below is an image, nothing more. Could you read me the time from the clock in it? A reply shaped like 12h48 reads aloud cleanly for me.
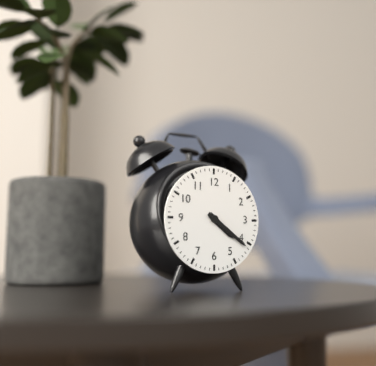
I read 4h21
